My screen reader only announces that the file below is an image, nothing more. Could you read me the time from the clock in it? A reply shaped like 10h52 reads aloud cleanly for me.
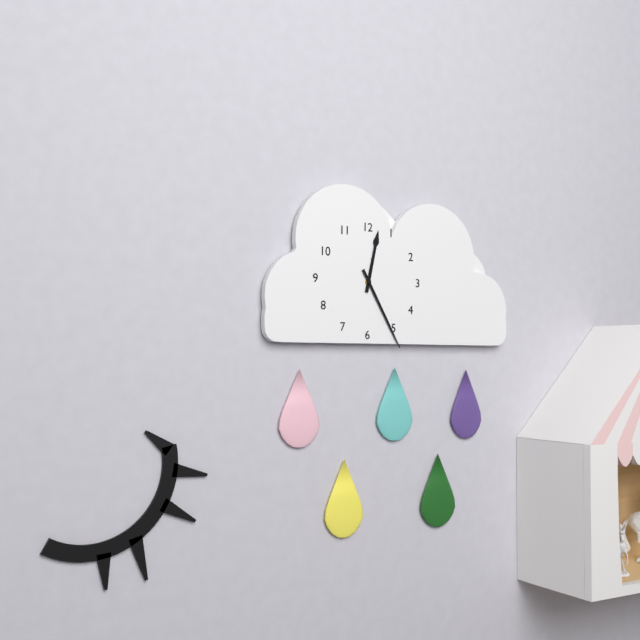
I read 12h25
